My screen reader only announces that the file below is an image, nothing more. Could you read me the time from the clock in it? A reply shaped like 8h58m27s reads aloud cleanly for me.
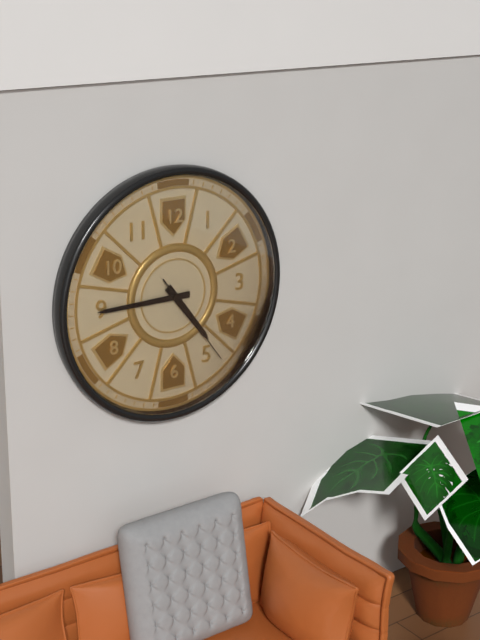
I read 4h45m24s
